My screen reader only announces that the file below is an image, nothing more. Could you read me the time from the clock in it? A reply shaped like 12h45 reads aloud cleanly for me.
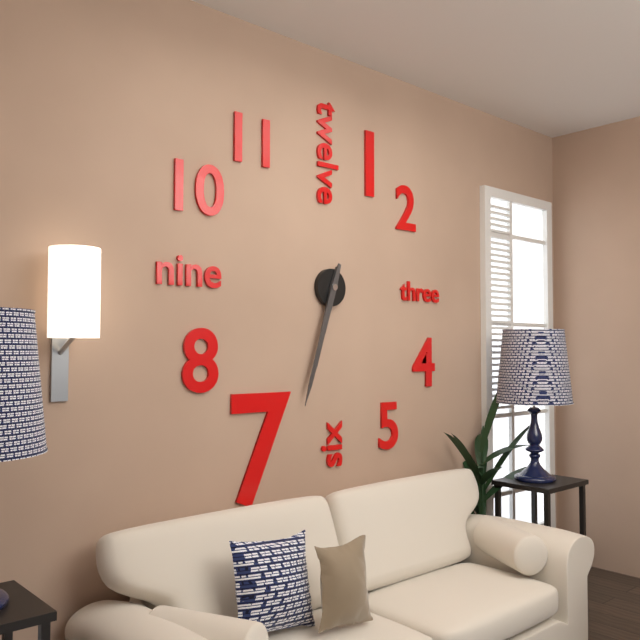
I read 6h33
